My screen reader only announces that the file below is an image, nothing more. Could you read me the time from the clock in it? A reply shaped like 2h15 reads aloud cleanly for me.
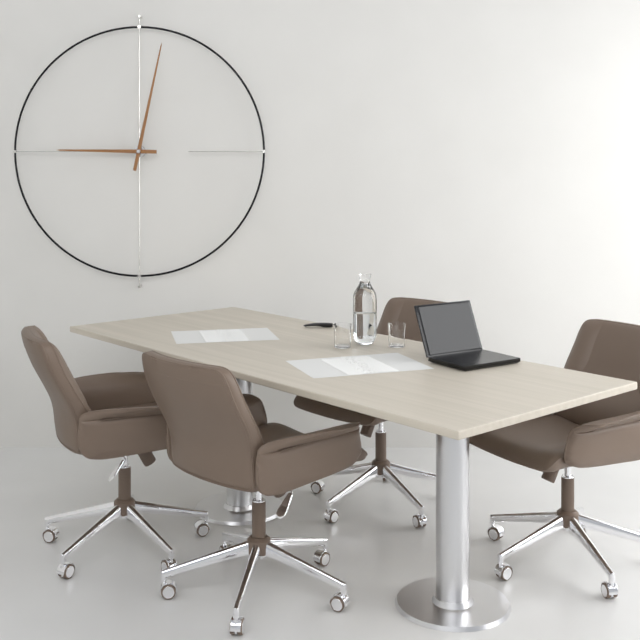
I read 9h02
